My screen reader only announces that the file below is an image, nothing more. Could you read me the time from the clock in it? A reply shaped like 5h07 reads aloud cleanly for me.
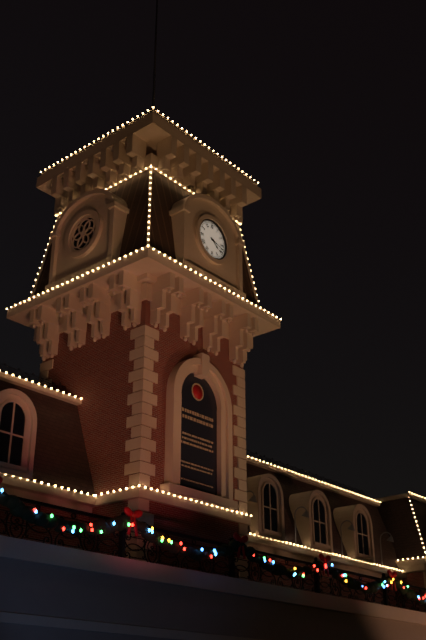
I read 4h18
